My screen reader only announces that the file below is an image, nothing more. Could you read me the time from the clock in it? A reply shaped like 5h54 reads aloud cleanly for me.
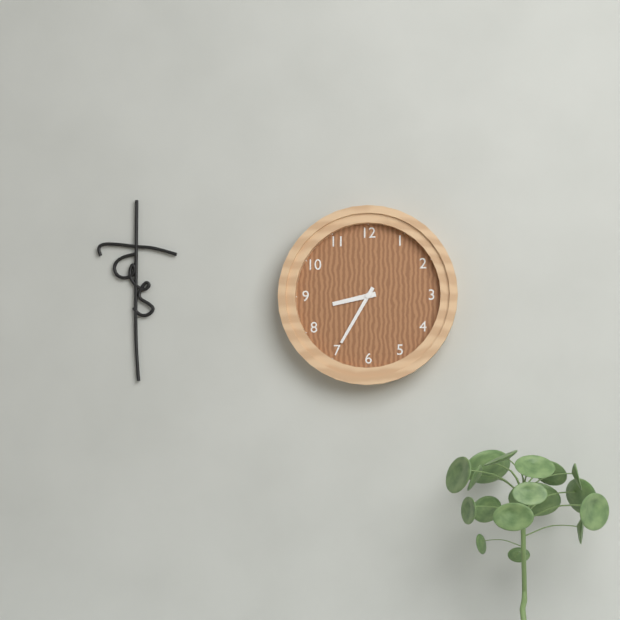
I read 8h35
